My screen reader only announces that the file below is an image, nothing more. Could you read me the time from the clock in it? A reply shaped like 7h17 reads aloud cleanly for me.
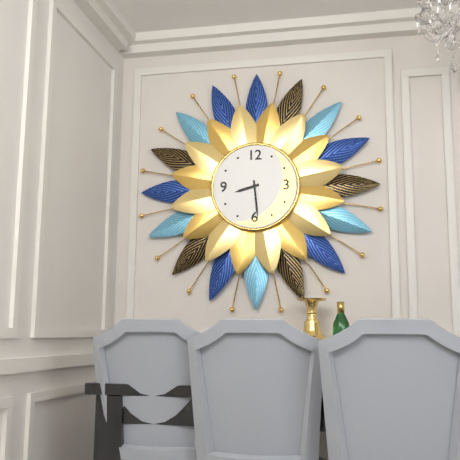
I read 8h29
